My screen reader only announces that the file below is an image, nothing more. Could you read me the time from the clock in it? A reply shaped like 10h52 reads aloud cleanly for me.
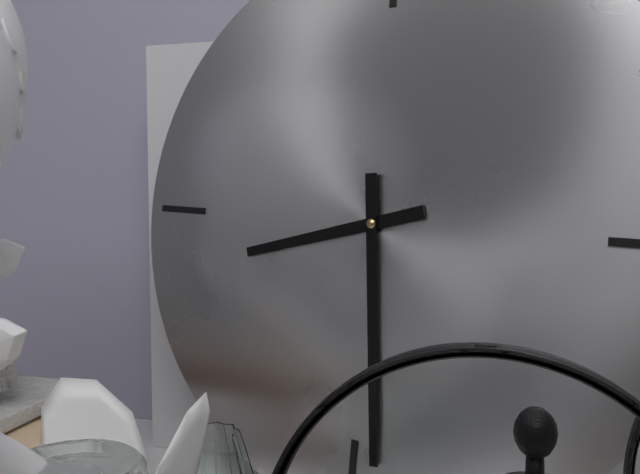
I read 8h29
